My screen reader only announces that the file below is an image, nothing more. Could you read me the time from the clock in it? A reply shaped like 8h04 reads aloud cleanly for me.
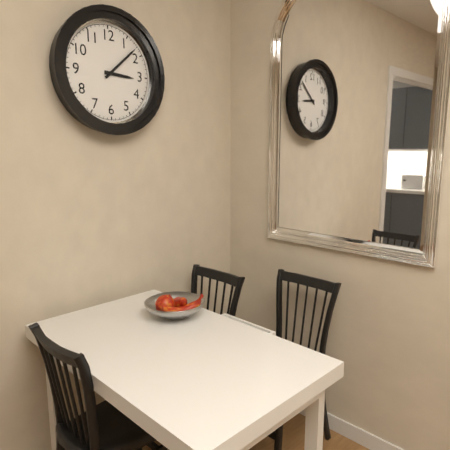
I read 3h08
